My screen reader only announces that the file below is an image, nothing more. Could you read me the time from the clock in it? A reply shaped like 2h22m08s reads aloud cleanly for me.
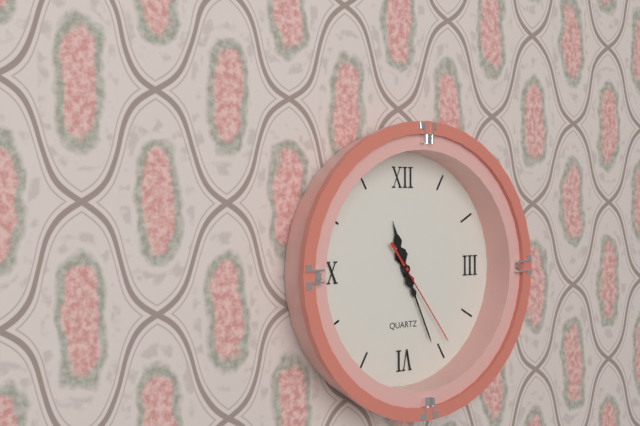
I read 11h26m24s
